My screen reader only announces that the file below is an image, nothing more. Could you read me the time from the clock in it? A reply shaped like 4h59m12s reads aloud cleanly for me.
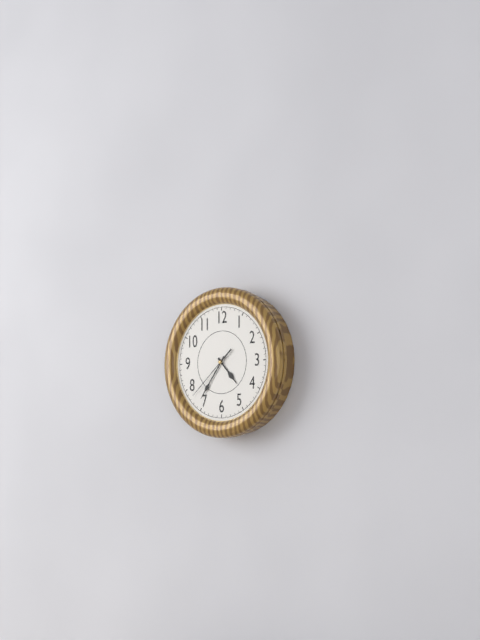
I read 4h36m38s
